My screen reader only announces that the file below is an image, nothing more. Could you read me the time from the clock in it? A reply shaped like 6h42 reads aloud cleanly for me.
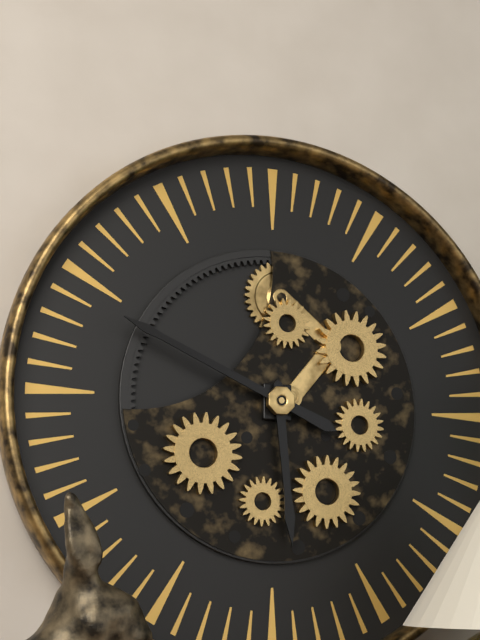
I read 5h49
